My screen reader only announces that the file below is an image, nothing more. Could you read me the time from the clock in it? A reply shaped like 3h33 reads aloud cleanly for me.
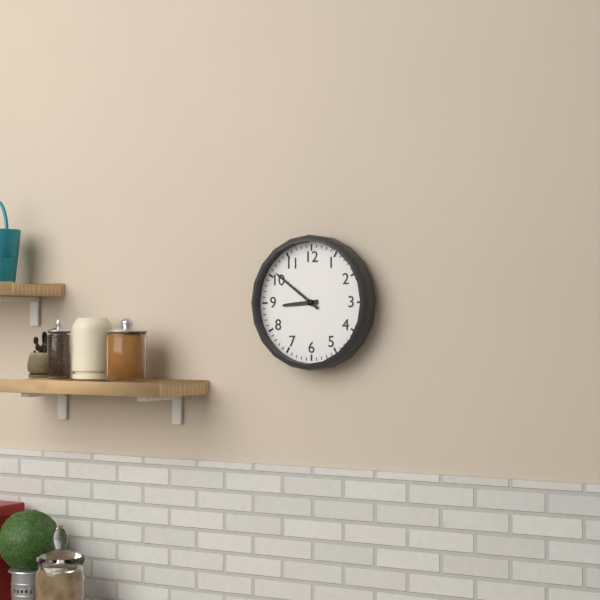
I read 8h51
